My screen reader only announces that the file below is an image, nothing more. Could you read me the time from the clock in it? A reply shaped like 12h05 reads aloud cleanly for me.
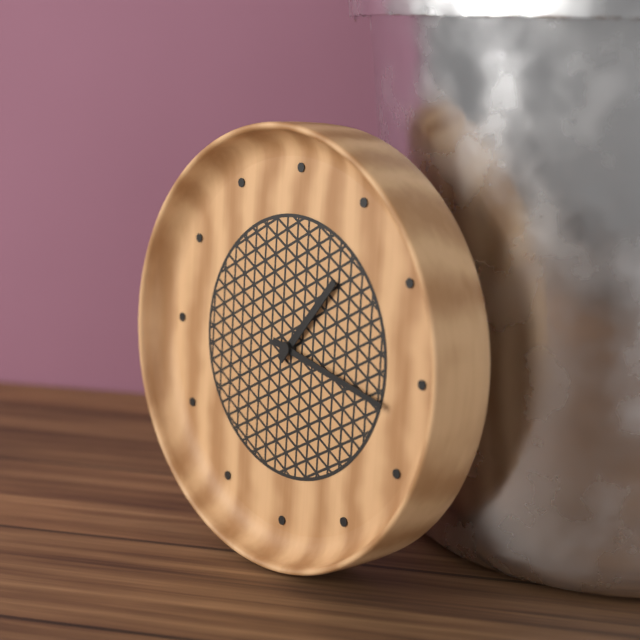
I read 1h17
